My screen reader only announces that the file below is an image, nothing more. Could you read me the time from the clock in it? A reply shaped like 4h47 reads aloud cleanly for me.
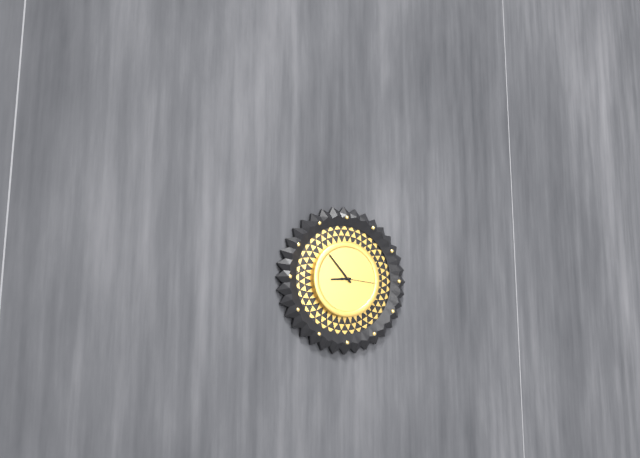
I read 8h53
